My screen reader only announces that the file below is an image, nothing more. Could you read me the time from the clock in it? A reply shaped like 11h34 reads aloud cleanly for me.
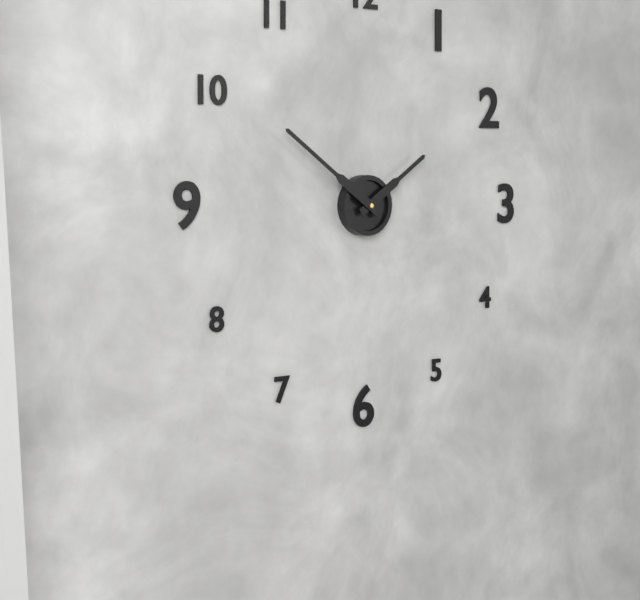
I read 1h51
